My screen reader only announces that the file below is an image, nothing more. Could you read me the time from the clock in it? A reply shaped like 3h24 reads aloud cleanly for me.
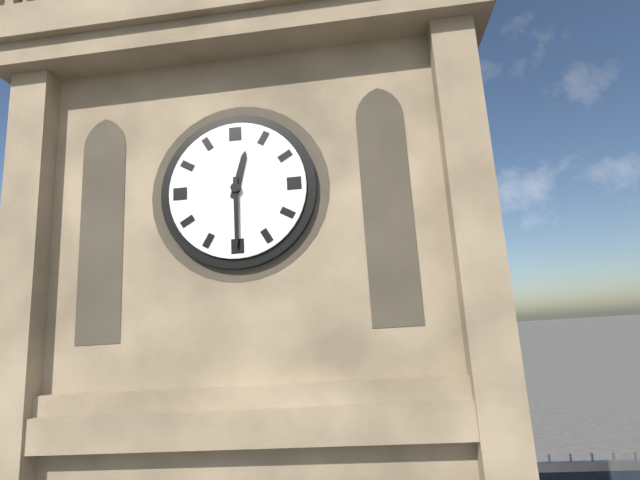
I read 12h30
